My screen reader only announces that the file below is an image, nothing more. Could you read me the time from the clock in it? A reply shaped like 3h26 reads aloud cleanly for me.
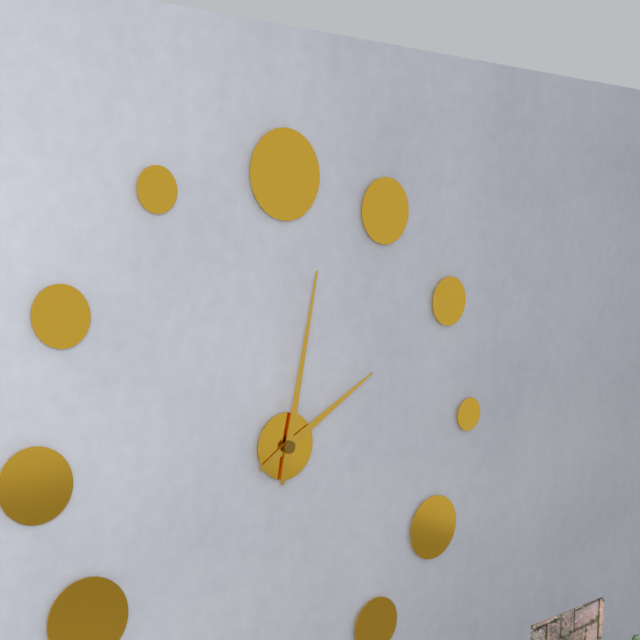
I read 2h02
